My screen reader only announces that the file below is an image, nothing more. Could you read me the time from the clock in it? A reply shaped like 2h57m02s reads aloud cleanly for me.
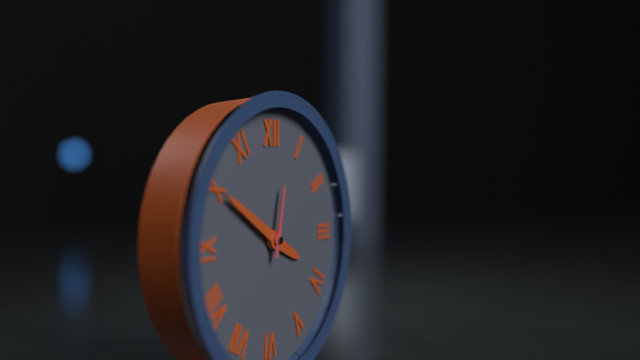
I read 3h50m02s
